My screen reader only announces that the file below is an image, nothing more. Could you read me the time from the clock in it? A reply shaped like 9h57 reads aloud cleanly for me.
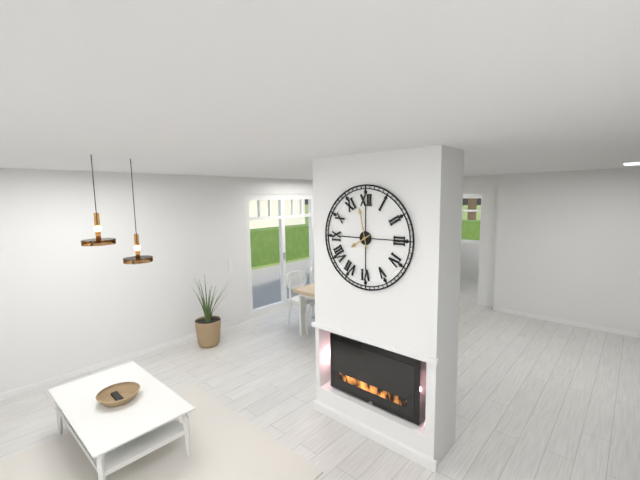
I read 7h58
